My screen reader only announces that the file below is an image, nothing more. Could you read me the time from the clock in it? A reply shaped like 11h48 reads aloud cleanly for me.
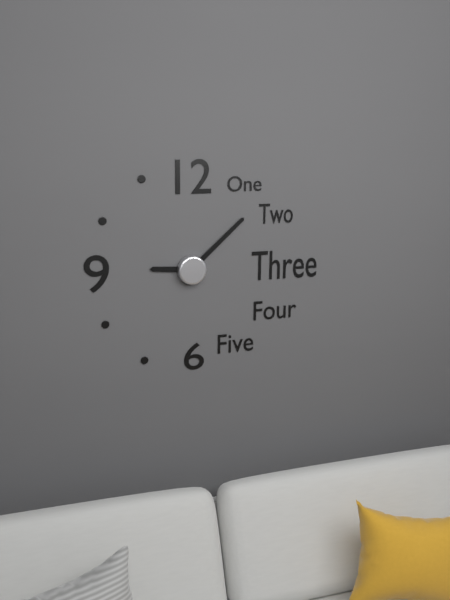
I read 9h08
